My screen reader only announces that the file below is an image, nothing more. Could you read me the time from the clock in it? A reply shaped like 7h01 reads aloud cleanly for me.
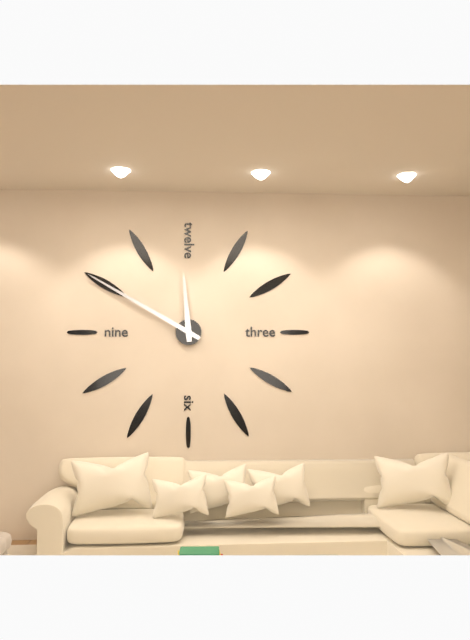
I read 11h50
